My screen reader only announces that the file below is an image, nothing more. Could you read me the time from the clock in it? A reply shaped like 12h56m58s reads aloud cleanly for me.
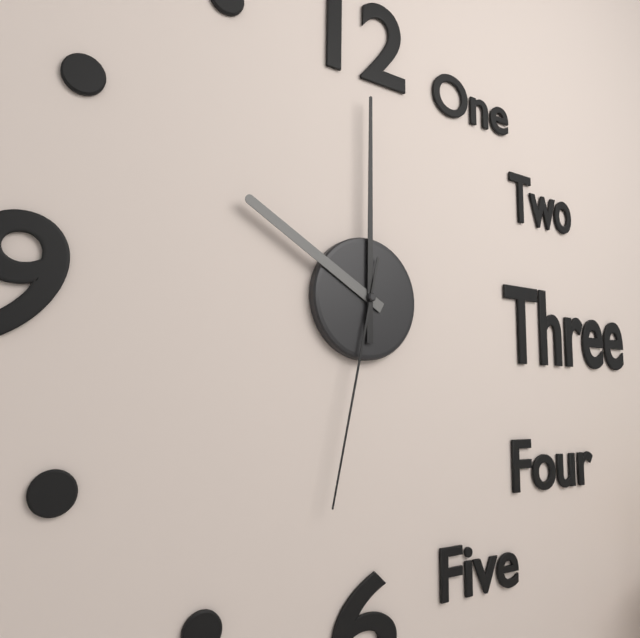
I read 10h00m32s
